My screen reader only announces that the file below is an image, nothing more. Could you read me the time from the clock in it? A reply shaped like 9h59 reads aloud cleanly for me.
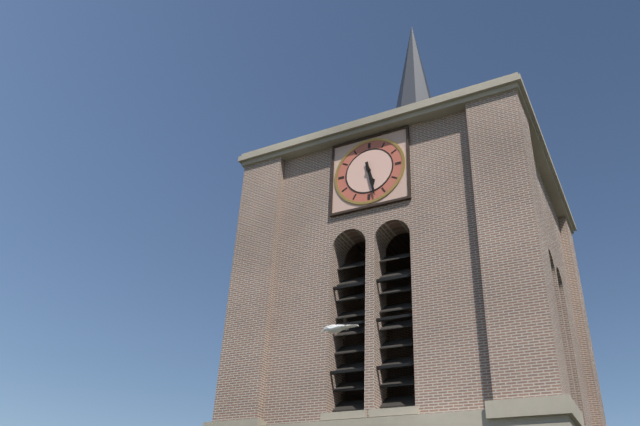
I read 5h28
